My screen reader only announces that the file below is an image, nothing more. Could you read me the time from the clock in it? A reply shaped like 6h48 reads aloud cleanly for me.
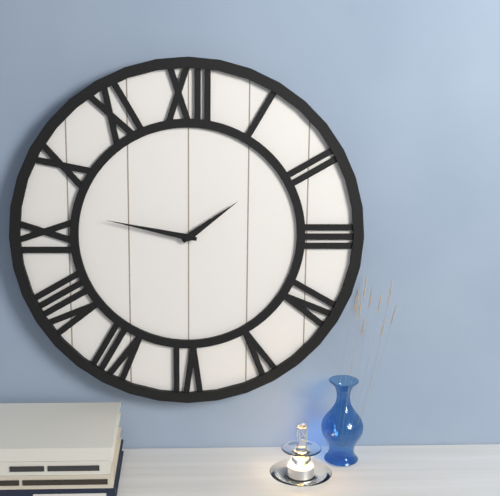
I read 1h47
